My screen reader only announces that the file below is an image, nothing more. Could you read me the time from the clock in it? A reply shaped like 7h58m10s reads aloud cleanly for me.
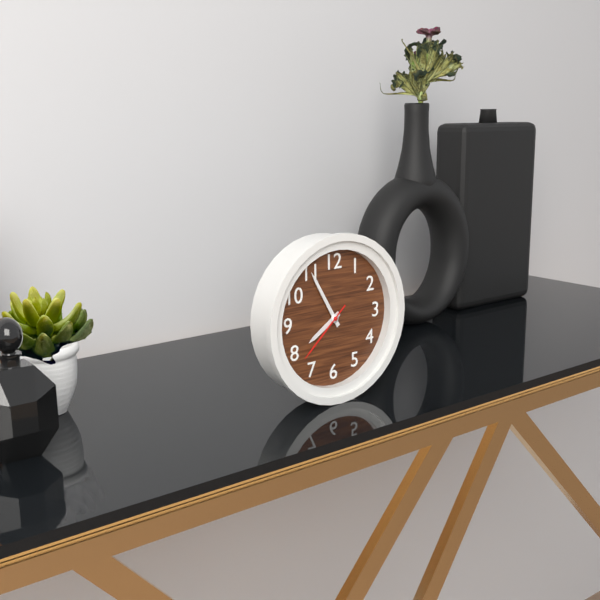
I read 7h55m38s
